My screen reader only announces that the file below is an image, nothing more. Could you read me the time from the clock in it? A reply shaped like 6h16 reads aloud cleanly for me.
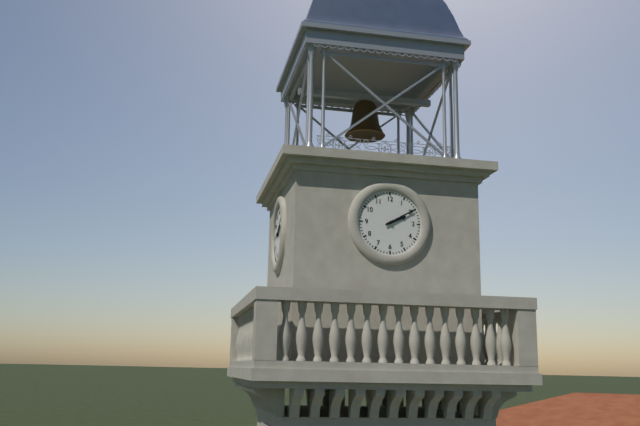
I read 2h10
